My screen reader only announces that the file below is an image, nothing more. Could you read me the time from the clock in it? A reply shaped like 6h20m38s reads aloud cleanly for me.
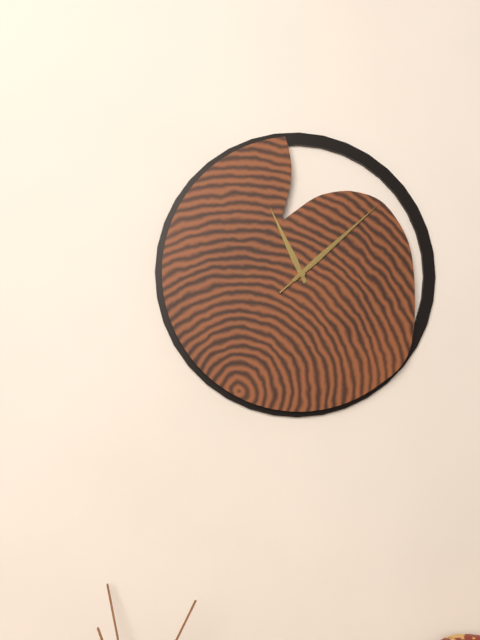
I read 11h08m08s
